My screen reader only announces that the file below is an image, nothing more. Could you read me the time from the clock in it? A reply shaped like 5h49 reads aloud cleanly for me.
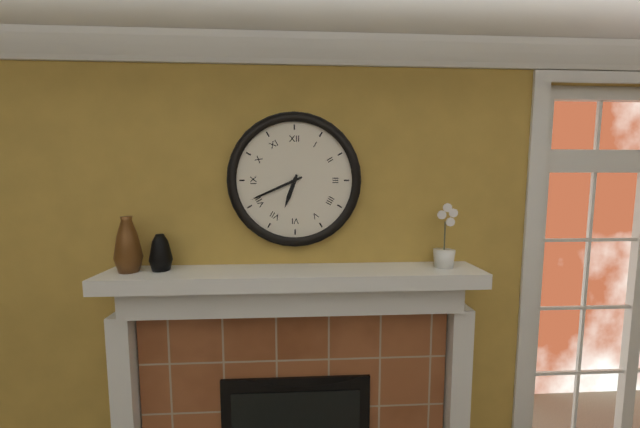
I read 6h41
